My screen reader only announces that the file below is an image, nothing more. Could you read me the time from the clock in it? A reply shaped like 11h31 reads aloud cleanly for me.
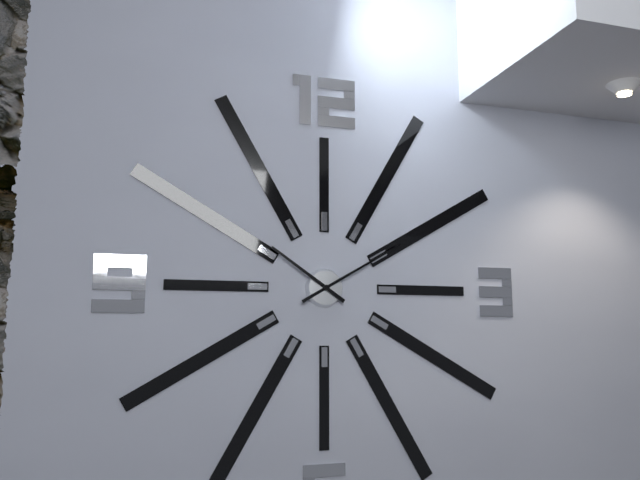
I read 10h10
